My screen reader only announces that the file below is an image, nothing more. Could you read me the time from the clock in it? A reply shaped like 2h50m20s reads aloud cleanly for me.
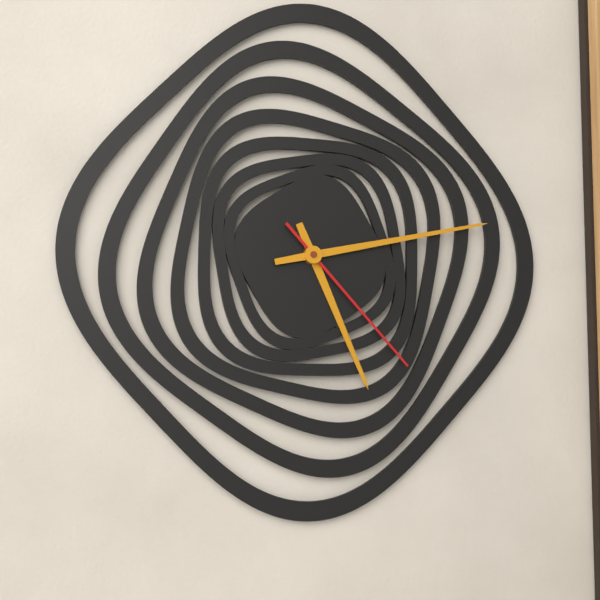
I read 5h13m23s
